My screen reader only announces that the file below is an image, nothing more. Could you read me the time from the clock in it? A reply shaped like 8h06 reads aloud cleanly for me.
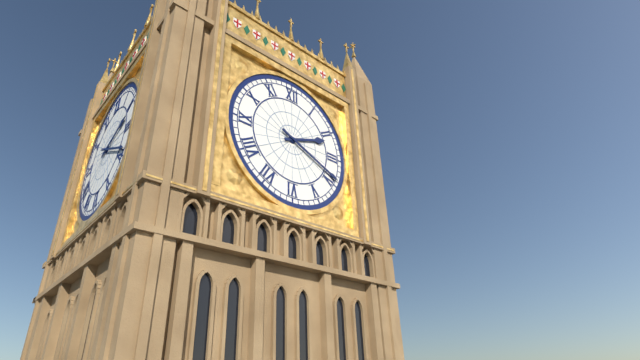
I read 2h19
